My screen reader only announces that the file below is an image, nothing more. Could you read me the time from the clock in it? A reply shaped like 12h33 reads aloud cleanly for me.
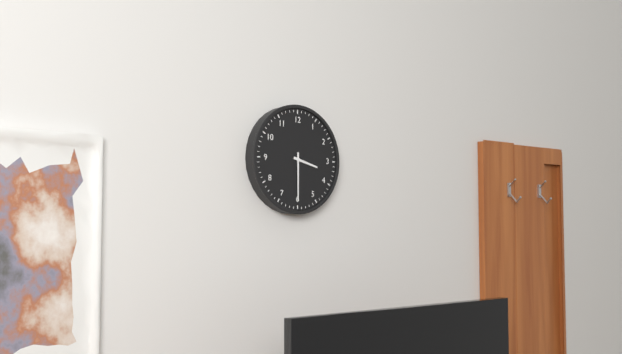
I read 3h30
